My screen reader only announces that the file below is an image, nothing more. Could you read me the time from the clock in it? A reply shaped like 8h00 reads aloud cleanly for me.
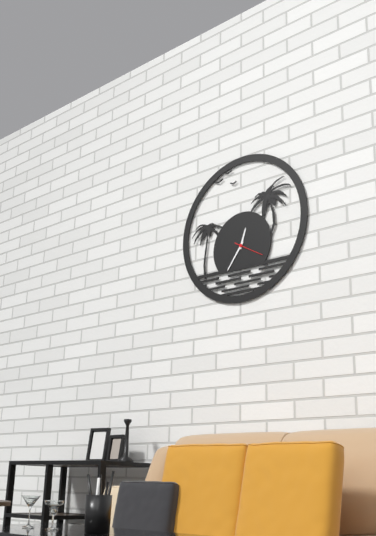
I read 12h36
